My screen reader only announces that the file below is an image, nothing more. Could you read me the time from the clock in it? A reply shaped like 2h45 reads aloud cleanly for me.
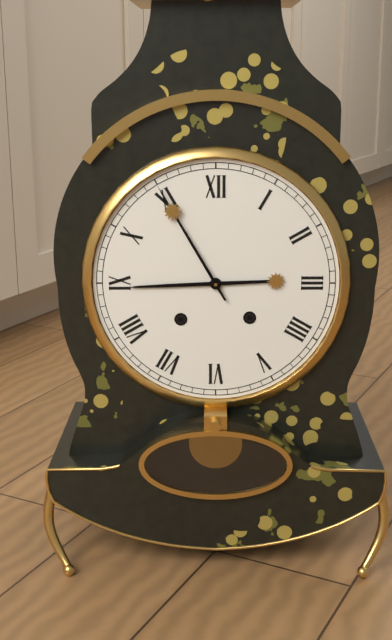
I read 8h55
